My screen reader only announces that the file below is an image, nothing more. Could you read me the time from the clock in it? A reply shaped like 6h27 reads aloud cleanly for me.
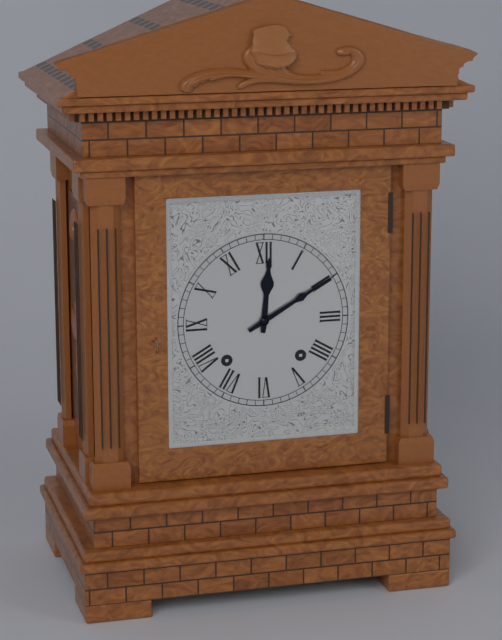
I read 12h10
